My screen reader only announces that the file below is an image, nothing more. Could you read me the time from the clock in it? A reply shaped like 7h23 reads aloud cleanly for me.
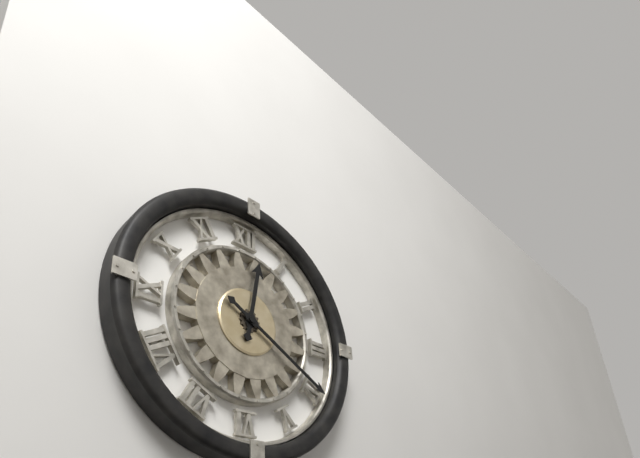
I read 12h20
